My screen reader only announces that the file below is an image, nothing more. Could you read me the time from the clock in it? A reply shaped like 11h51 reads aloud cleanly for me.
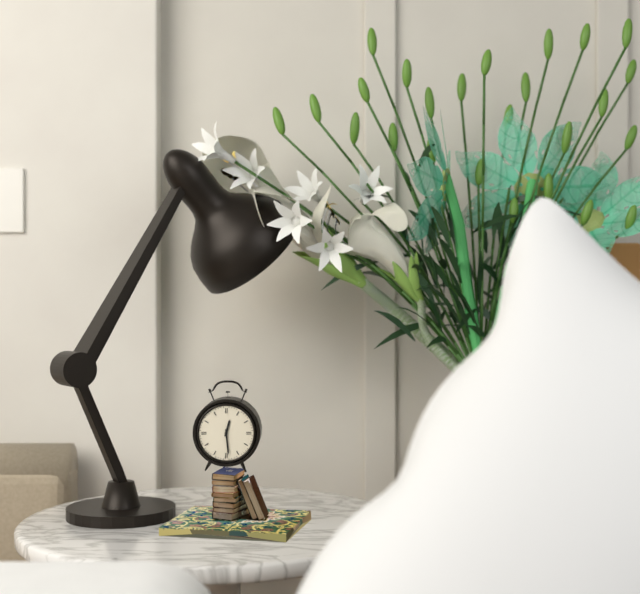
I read 12h29
